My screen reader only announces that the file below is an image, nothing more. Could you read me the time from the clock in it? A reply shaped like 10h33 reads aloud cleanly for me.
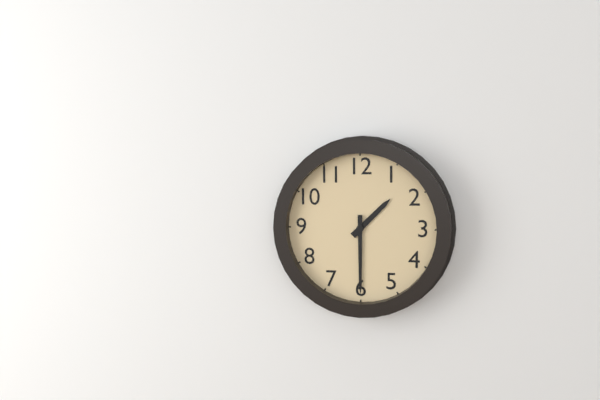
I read 1h30
